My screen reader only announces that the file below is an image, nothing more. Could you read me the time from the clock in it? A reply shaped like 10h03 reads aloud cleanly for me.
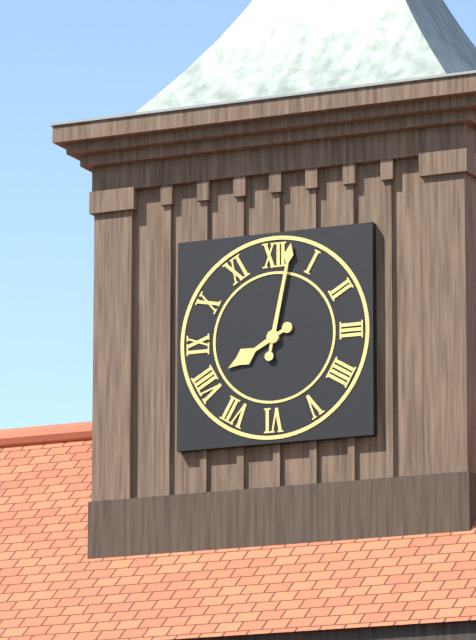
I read 8h02
